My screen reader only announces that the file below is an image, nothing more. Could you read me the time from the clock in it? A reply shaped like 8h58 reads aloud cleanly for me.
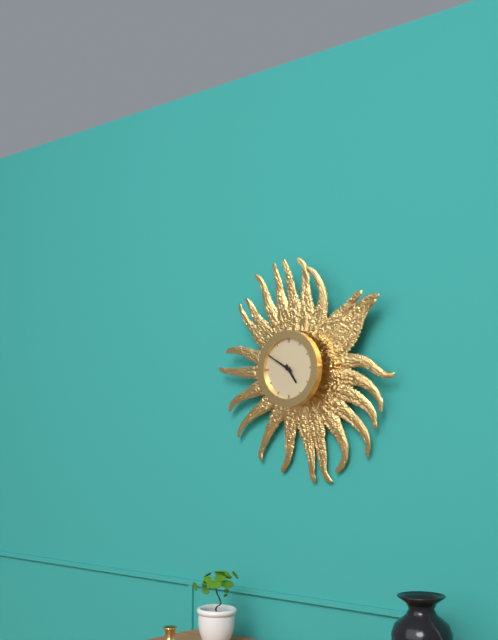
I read 4h50
